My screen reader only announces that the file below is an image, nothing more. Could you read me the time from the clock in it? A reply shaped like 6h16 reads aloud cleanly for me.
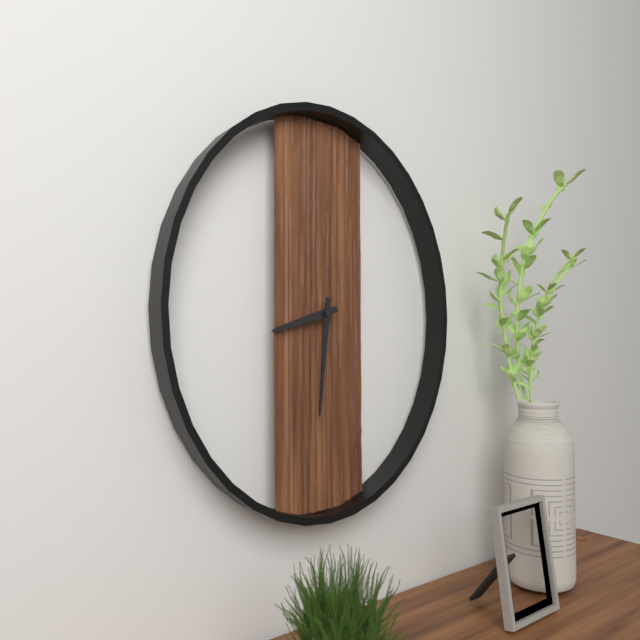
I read 8h31
